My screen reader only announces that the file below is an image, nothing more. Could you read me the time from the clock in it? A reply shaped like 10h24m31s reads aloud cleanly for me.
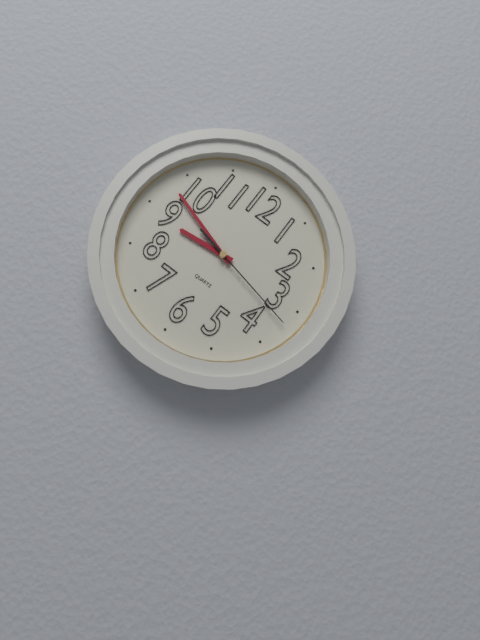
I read 8h48m17s
